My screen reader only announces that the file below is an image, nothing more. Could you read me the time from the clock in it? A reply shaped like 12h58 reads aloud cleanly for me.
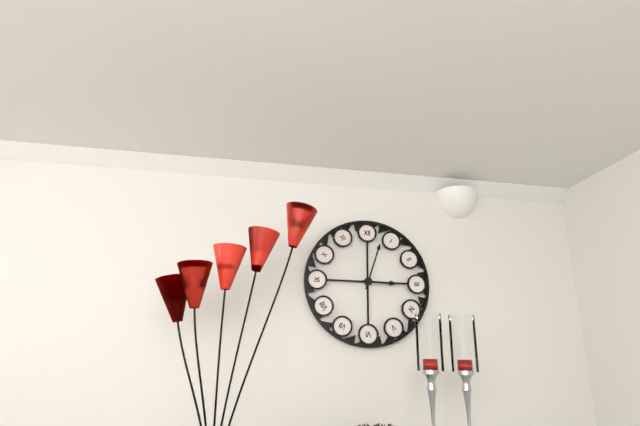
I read 3h03
